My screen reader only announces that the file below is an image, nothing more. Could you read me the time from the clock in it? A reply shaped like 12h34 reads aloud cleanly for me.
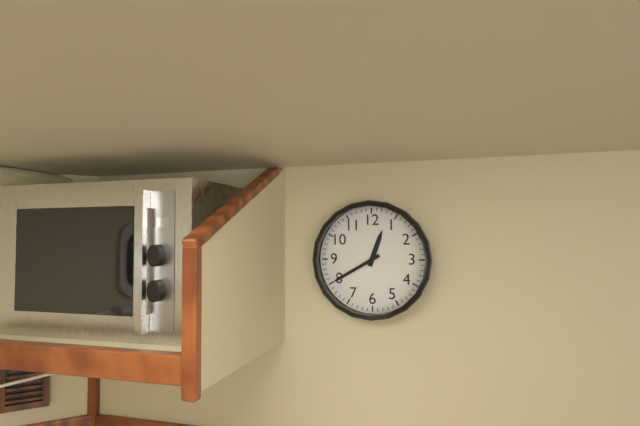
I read 12h40
